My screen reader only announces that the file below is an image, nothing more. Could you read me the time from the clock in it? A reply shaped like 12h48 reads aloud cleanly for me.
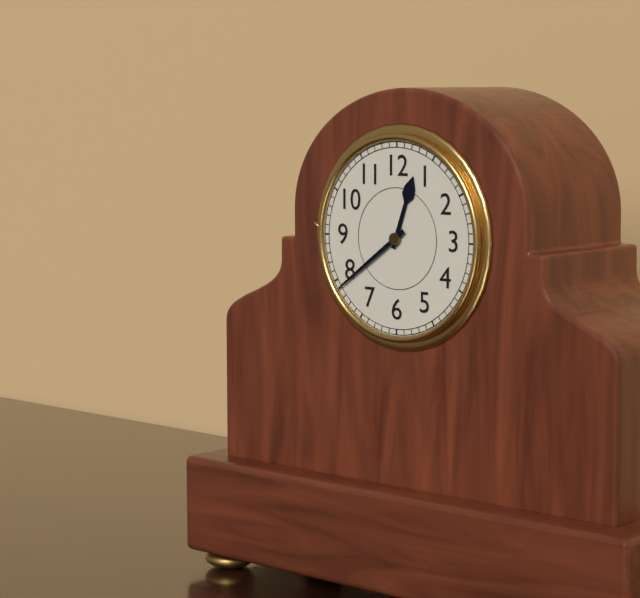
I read 12h39
